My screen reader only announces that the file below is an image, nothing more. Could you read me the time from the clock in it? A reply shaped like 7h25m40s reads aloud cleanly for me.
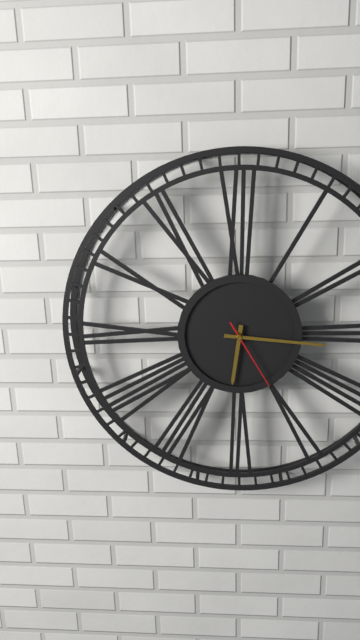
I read 6h16m25s
